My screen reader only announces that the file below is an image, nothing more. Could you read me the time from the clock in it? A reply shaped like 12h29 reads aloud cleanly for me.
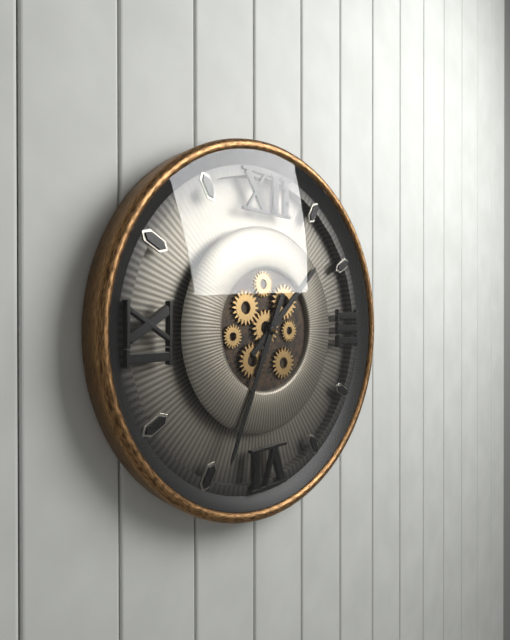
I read 1h34
